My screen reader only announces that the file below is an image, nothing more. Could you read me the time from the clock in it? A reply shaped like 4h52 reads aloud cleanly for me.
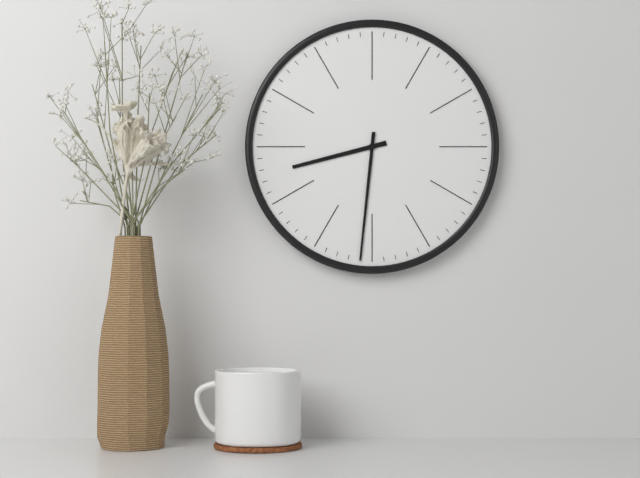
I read 8h31
